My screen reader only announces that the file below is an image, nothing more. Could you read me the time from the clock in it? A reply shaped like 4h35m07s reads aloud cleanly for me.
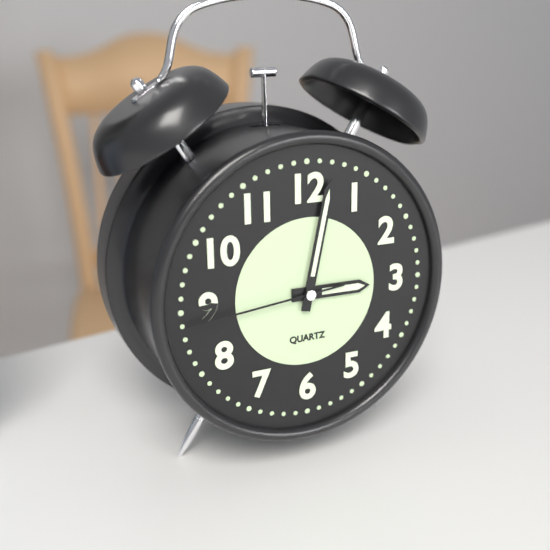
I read 3h02m44s
